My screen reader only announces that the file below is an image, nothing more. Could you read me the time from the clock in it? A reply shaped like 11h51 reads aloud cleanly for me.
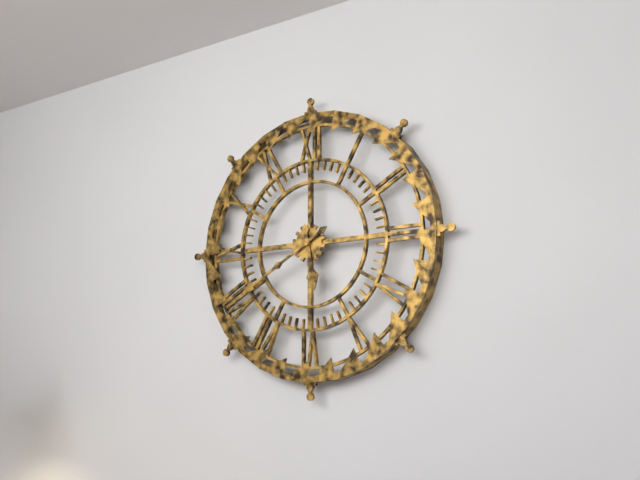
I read 5h40
